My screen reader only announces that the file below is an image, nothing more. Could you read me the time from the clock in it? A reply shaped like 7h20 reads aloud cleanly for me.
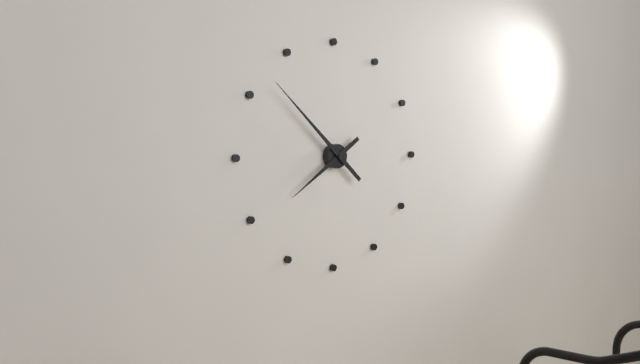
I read 7h52
